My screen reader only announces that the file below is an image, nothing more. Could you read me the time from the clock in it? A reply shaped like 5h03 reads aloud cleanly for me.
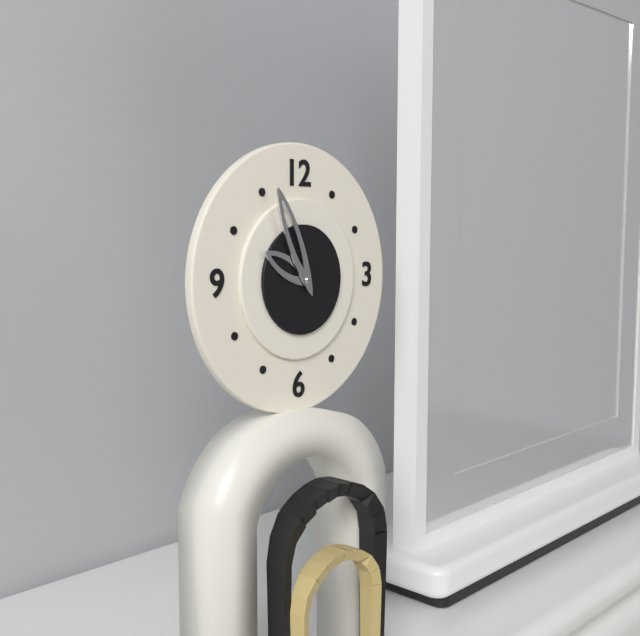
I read 9h56
